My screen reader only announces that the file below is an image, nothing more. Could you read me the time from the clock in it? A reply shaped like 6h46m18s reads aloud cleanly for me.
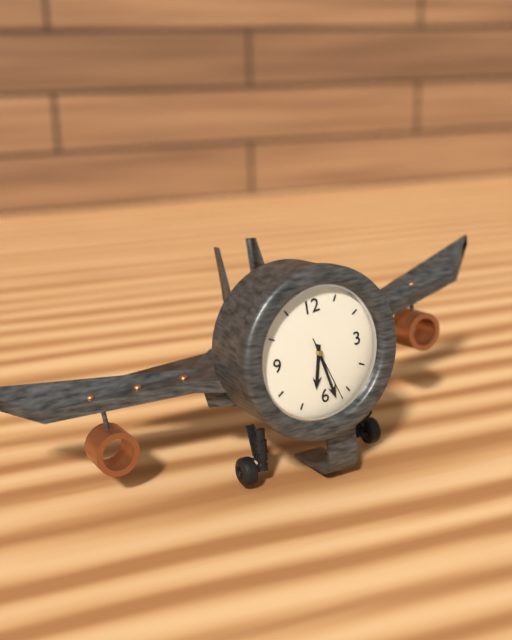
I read 6h28m27s
